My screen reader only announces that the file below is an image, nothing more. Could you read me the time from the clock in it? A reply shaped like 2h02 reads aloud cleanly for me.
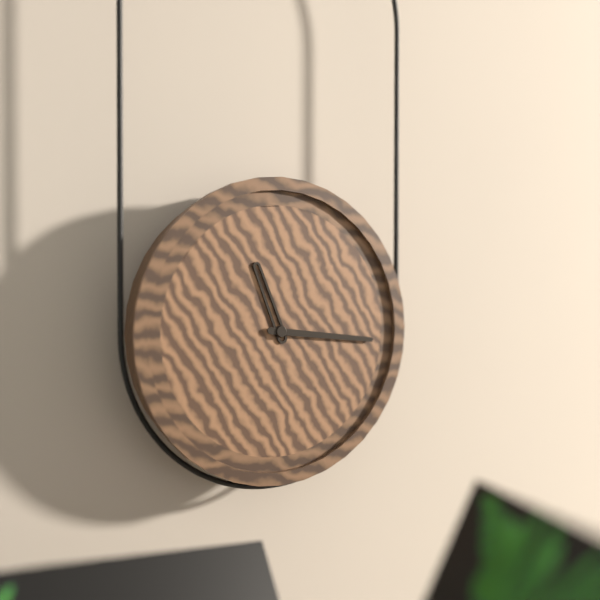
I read 11h16
